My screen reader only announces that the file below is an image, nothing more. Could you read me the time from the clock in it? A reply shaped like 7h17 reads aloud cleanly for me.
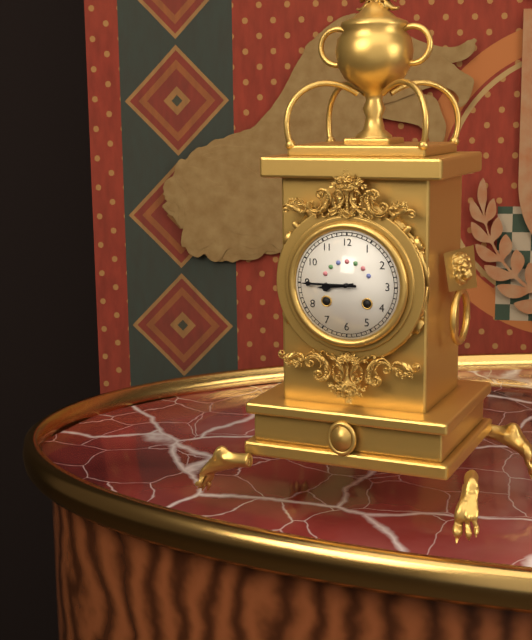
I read 8h45
